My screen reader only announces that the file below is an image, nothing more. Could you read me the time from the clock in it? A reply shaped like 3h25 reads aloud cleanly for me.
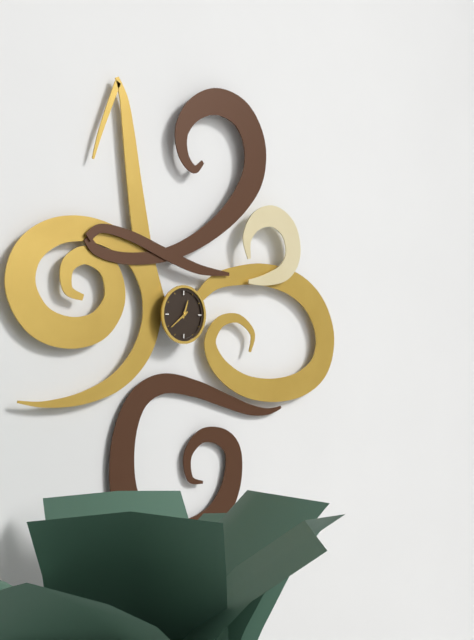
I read 12h39
